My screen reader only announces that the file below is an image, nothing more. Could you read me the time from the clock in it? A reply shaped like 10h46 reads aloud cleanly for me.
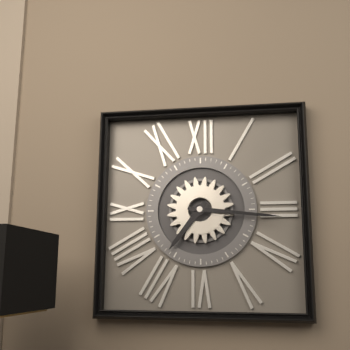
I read 7h16
